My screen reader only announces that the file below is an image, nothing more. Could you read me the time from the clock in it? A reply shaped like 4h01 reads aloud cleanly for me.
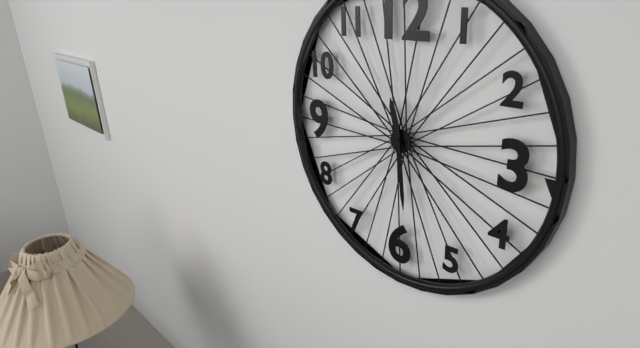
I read 11h29
